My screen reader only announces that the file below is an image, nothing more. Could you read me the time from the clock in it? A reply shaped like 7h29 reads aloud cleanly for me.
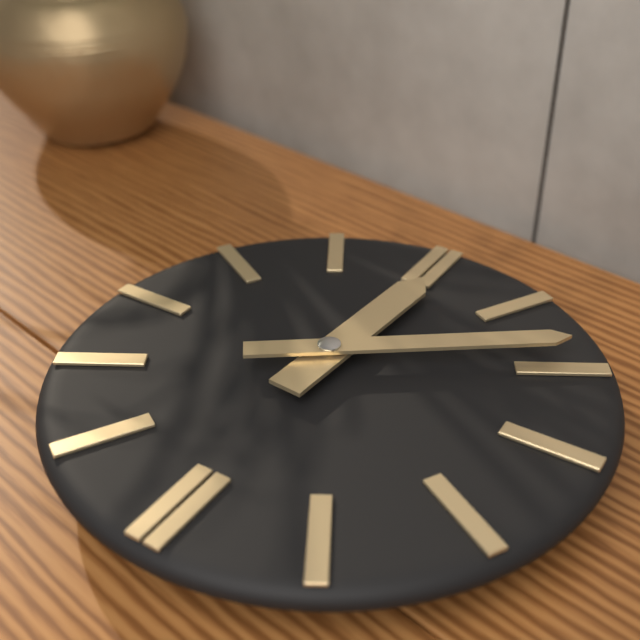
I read 12h09
